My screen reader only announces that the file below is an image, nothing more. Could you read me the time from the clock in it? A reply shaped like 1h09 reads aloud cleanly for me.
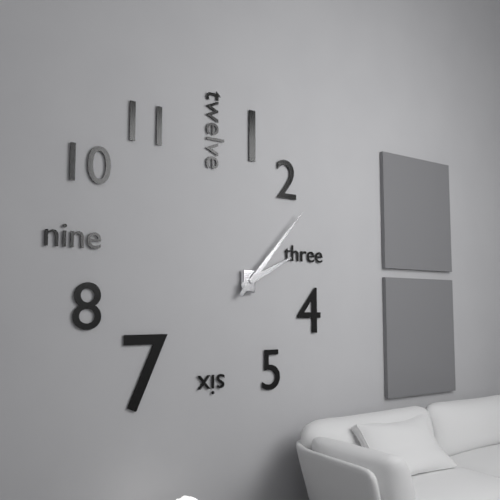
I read 2h07
